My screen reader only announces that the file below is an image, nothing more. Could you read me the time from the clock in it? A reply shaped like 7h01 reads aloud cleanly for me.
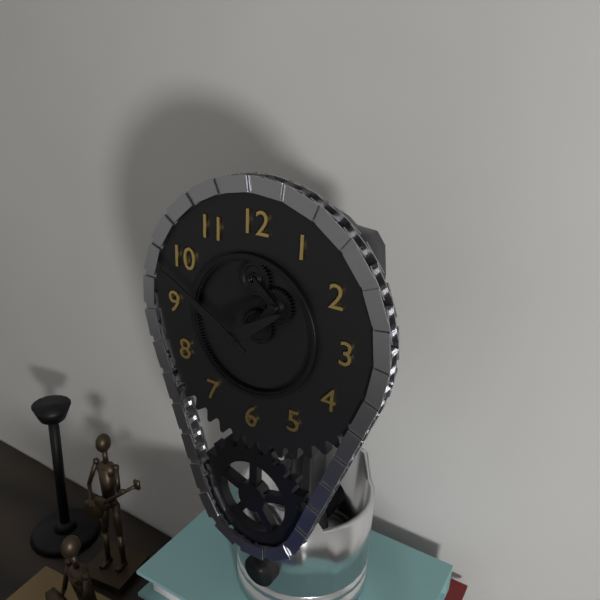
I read 1h50
